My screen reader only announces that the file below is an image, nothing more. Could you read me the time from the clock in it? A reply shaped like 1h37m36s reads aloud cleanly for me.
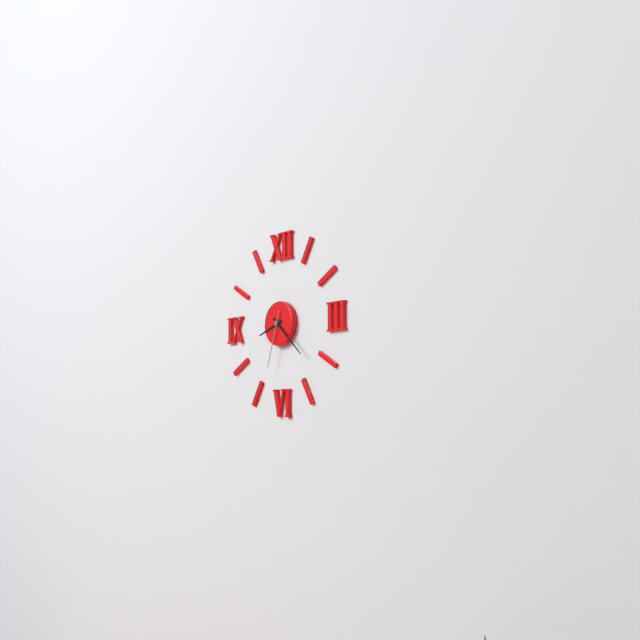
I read 8h22m33s
